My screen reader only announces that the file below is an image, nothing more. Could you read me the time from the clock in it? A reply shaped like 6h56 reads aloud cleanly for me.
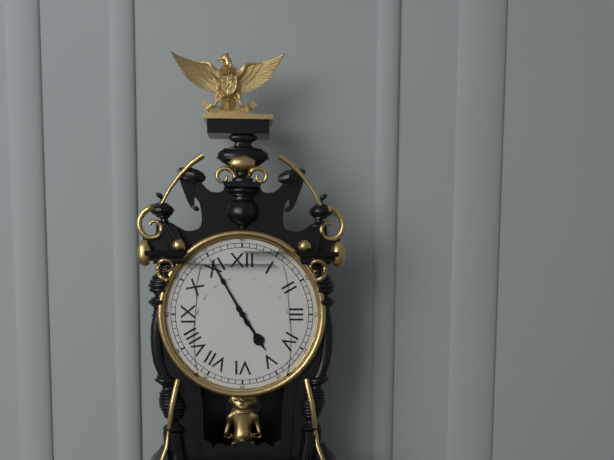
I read 4h55
